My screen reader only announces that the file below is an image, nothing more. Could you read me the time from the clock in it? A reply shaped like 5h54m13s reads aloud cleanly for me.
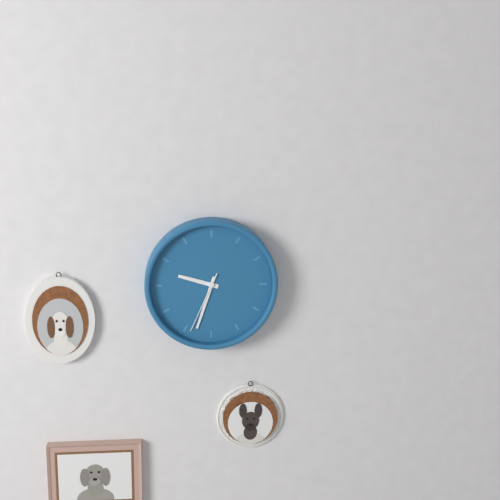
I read 9h33m34s
